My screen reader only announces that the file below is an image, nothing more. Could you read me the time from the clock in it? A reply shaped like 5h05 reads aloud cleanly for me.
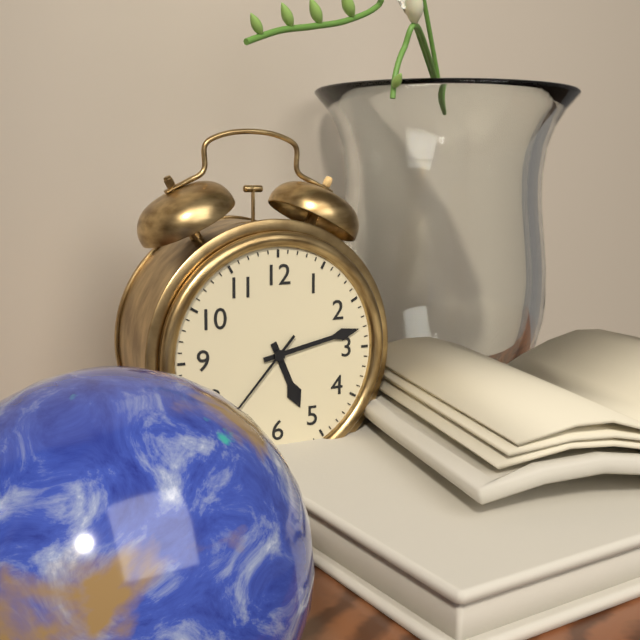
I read 5h13
